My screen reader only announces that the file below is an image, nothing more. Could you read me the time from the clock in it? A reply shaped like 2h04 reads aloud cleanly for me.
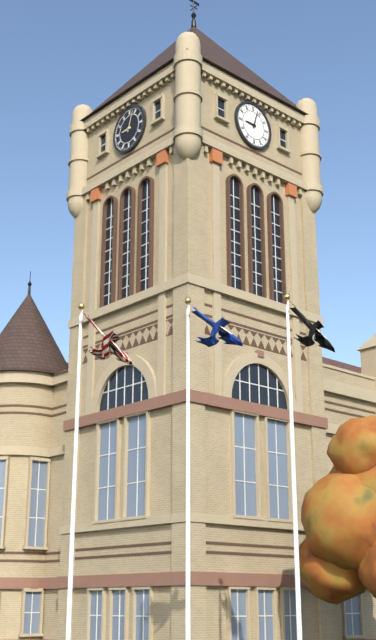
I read 9h03
